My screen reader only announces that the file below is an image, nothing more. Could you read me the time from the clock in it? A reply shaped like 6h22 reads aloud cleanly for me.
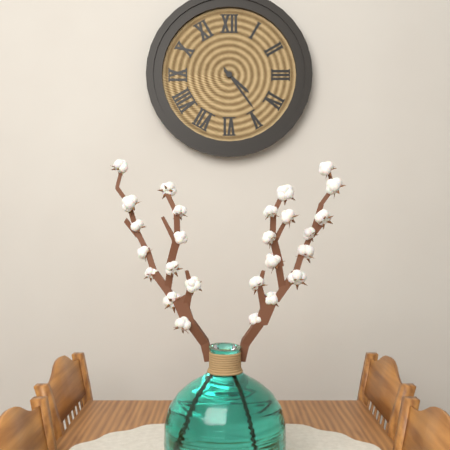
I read 4h24
